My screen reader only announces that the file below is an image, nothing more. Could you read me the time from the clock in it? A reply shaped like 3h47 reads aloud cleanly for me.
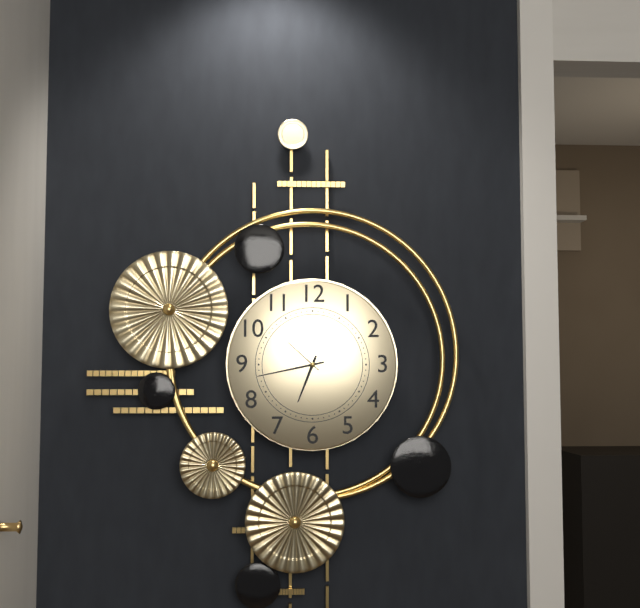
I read 6h43
